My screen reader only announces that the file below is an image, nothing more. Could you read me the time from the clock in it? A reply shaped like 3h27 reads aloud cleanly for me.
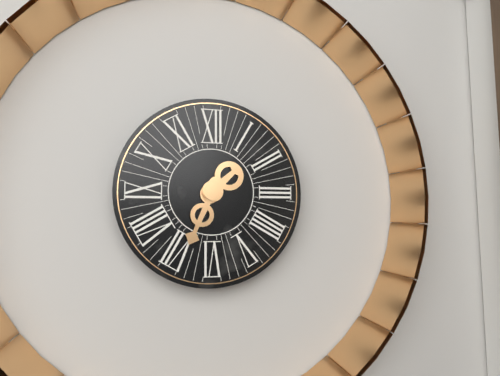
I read 1h34
